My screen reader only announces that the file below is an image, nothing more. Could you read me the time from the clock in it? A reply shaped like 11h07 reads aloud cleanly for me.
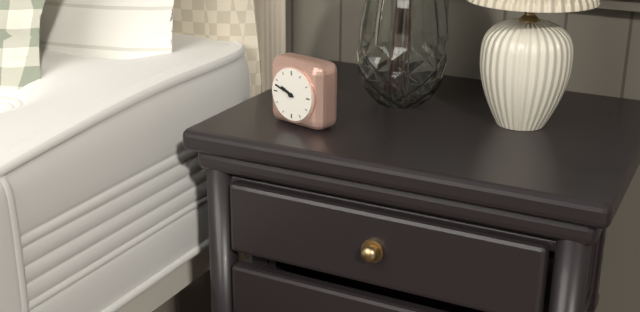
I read 9h48
